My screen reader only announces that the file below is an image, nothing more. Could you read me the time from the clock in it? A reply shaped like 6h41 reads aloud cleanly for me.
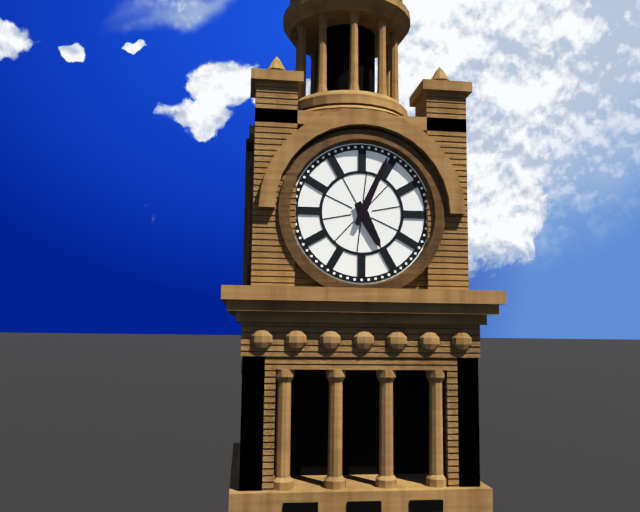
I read 5h04
